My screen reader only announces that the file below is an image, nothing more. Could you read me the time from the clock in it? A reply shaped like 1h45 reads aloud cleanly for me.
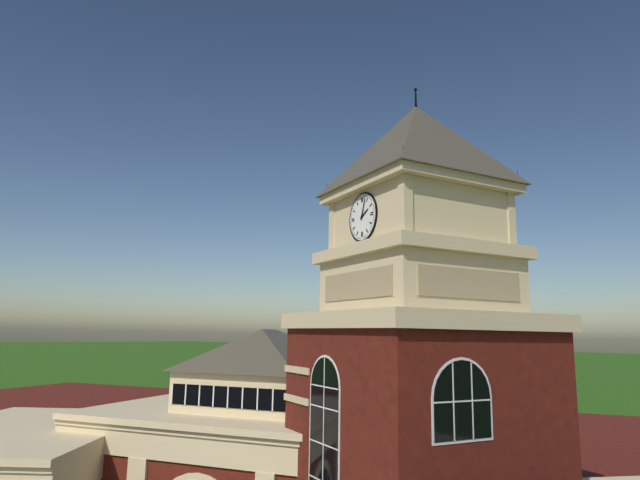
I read 2h03
